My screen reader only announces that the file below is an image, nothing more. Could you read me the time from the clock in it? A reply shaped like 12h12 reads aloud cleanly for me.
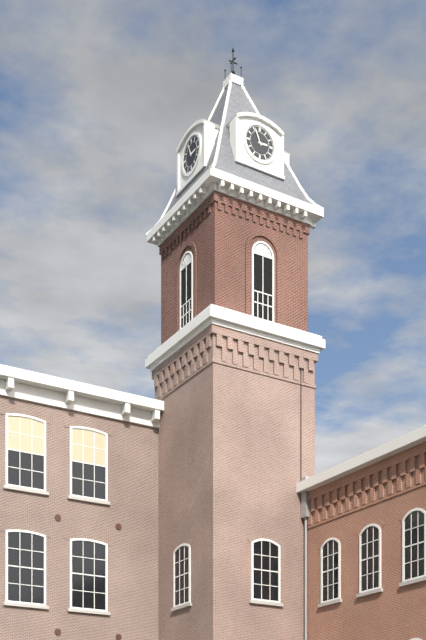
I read 2h56
